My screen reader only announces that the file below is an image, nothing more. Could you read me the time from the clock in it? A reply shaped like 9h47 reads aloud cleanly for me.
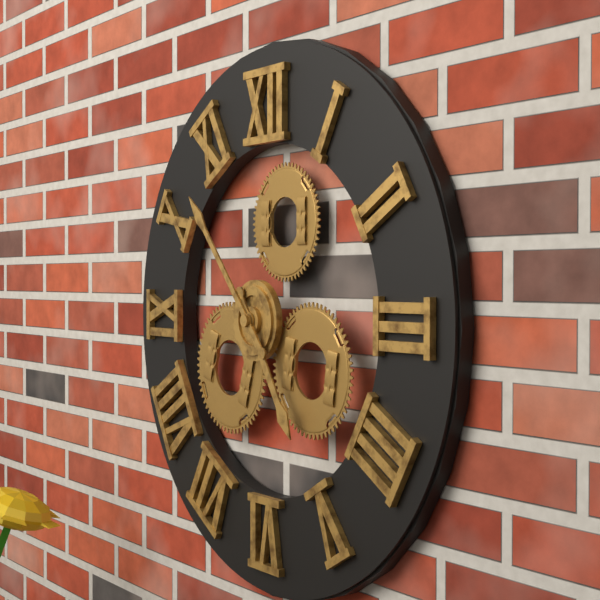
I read 4h53
